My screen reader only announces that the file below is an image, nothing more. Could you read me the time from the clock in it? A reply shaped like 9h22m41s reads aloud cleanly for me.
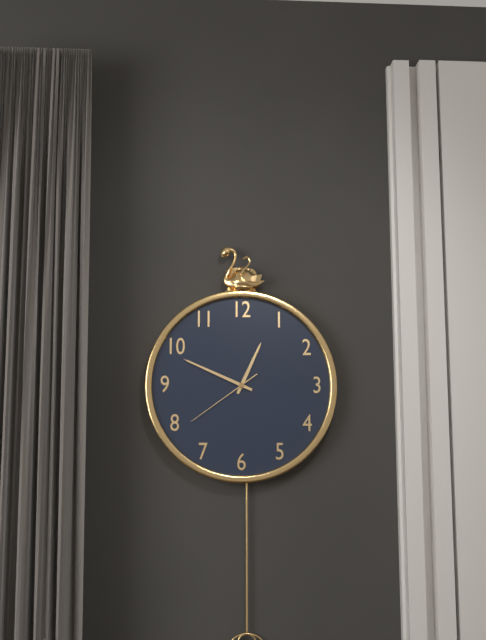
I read 12h49m39s
